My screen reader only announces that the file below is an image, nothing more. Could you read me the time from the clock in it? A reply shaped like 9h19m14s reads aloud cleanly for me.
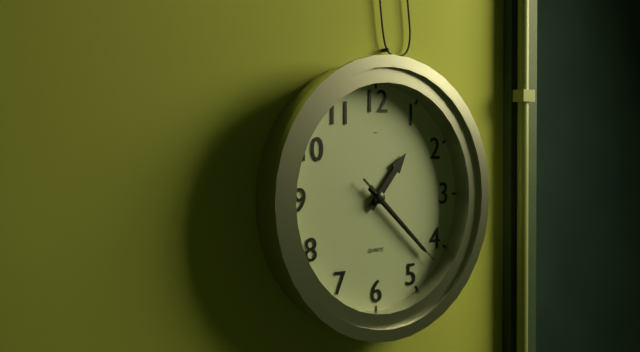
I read 1h22m22s
